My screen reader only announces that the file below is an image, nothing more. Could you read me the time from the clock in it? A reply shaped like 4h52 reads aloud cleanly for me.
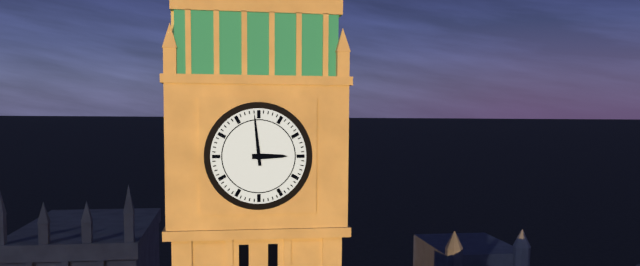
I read 2h59
